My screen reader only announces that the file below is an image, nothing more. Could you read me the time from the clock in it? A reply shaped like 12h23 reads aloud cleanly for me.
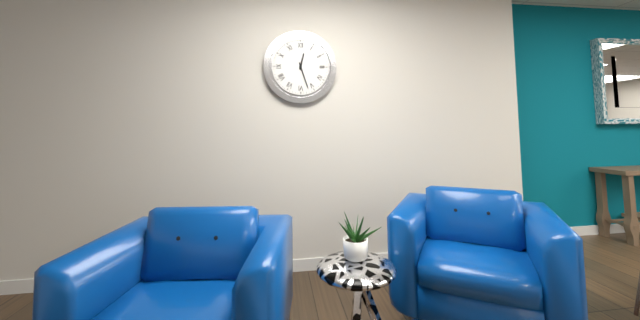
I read 12h27
